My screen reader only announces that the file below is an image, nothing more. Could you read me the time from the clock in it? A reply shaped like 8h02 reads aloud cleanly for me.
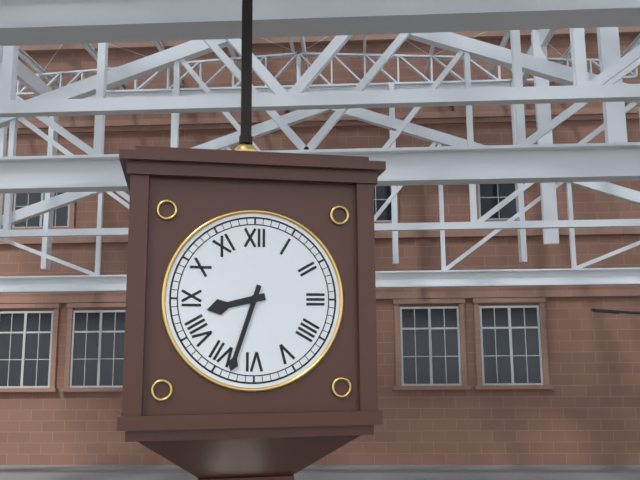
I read 8h33
